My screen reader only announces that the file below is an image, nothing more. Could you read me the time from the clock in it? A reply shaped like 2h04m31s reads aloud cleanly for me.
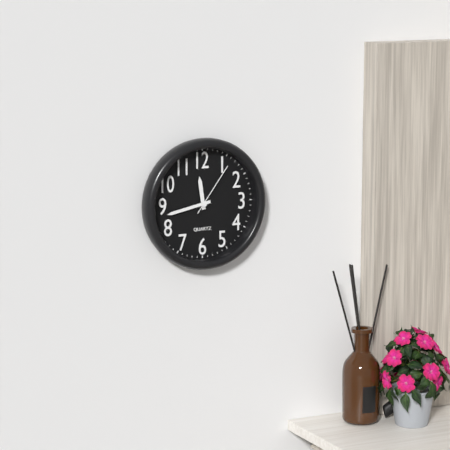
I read 11h43m06s
